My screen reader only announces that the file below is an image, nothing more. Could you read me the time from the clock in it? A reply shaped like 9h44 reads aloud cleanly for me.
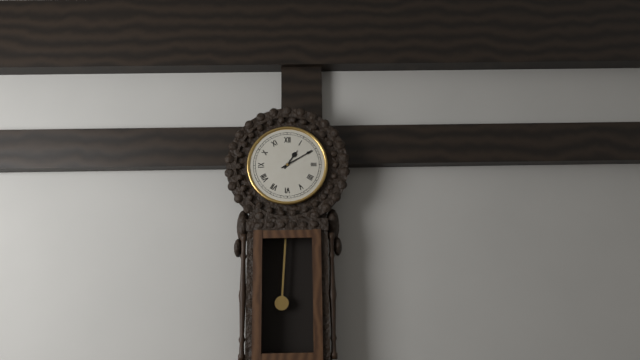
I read 1h10
